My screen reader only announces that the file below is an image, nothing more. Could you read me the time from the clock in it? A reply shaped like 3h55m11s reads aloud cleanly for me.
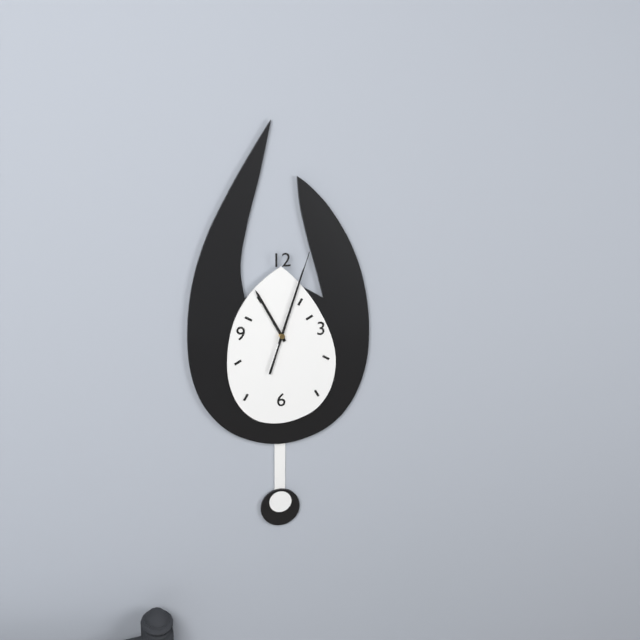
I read 11h03m03s
